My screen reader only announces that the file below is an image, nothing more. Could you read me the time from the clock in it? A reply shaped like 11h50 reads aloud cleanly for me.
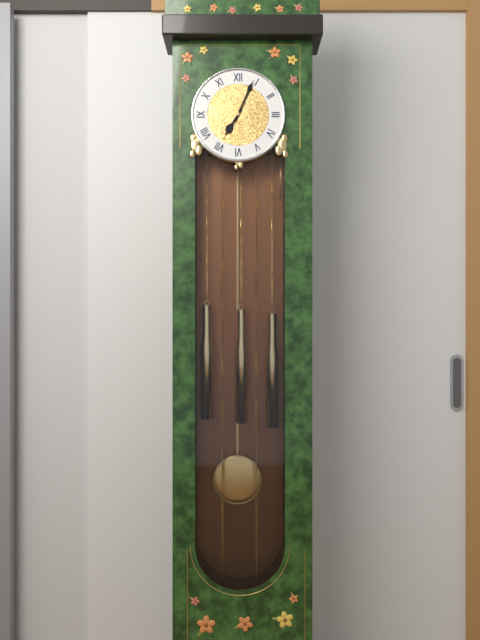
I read 7h04
